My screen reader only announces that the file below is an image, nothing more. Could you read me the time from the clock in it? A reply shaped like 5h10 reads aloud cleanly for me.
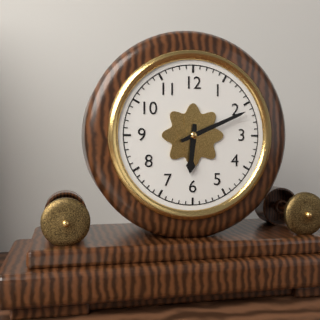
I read 6h11
